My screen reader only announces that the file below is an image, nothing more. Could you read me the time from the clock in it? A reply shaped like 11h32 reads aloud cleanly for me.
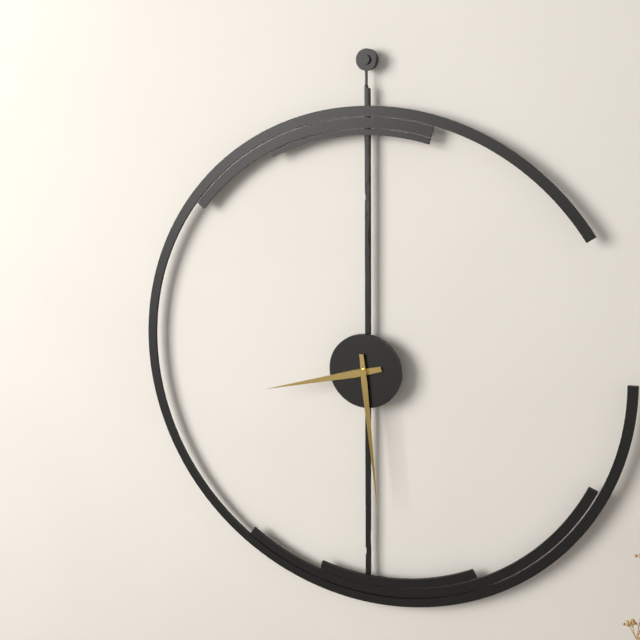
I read 8h29
